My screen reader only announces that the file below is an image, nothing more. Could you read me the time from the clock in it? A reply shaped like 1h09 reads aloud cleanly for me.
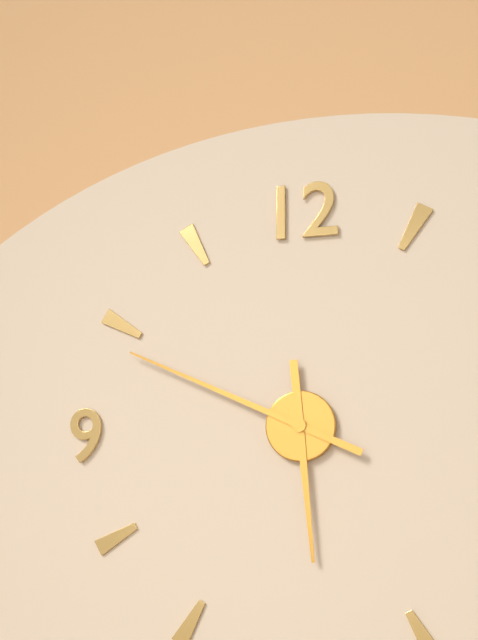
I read 5h49
